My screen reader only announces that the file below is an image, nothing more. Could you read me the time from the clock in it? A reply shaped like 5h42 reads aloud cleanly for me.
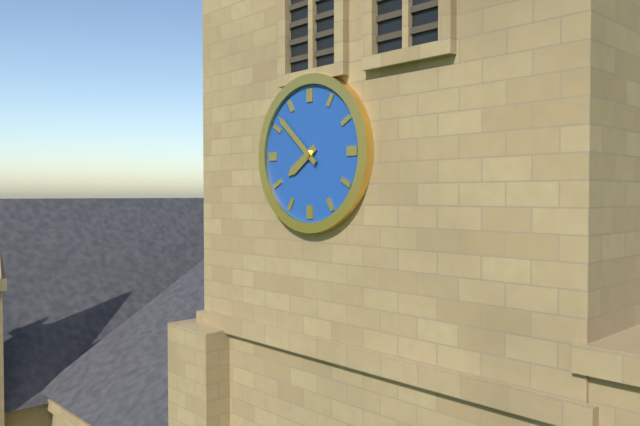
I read 7h52
